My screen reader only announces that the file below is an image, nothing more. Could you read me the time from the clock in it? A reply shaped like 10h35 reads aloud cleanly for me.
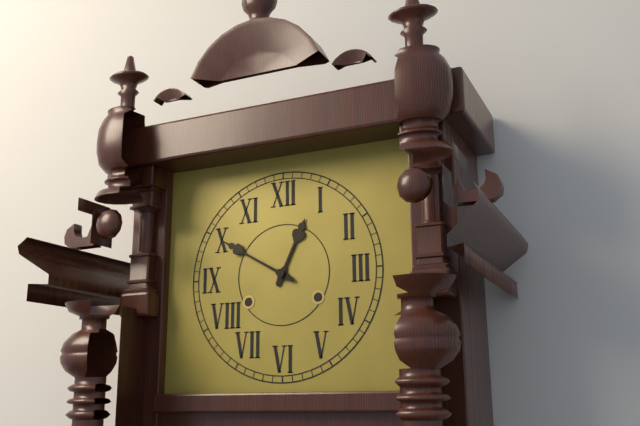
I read 12h50
